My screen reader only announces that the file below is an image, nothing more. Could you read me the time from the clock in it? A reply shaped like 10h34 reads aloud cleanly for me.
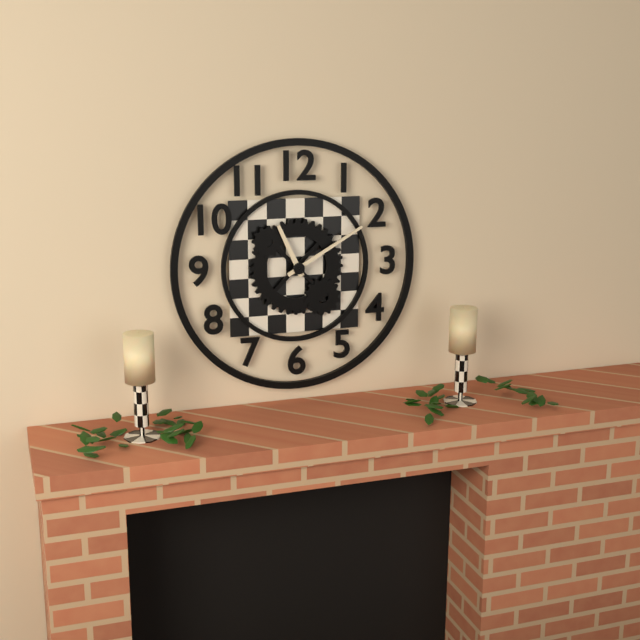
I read 11h10
